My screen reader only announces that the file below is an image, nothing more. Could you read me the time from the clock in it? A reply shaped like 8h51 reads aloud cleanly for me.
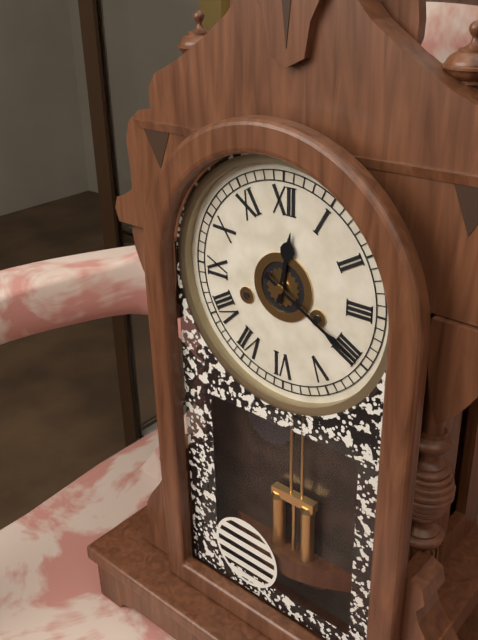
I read 12h20
